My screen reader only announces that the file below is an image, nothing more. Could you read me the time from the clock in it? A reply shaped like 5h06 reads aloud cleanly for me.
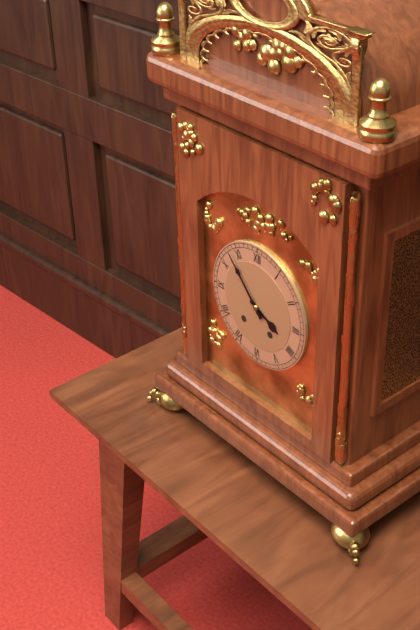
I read 3h53
